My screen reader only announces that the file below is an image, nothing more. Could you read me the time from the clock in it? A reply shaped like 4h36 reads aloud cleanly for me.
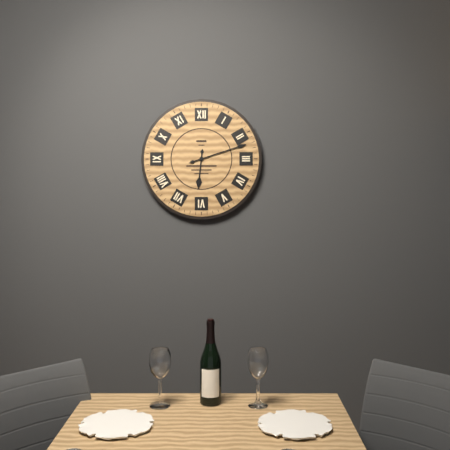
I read 6h12
